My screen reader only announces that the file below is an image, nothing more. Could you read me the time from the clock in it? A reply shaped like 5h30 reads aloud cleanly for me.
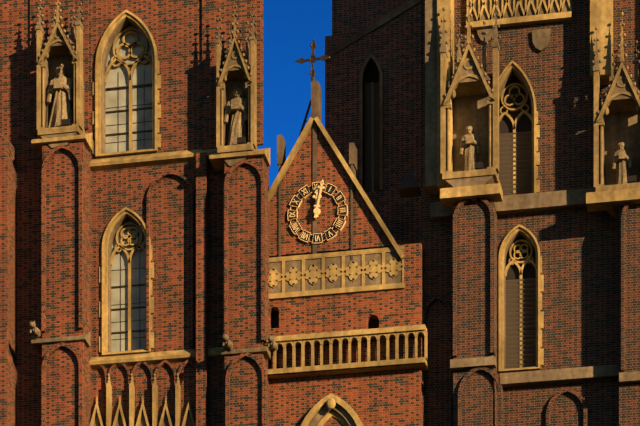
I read 12h02
